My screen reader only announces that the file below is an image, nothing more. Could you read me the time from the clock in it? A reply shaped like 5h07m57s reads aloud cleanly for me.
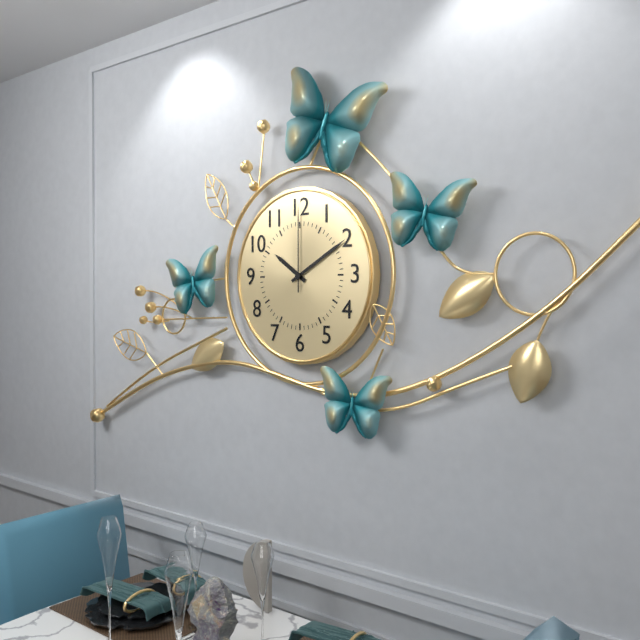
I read 10h10m00s
